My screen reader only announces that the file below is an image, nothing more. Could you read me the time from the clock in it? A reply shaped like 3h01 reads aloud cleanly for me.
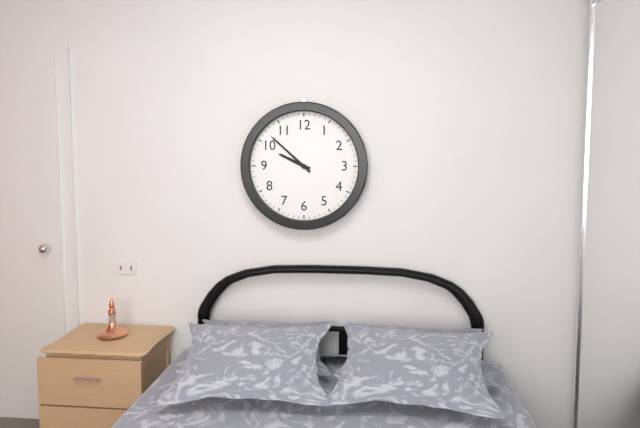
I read 9h52
